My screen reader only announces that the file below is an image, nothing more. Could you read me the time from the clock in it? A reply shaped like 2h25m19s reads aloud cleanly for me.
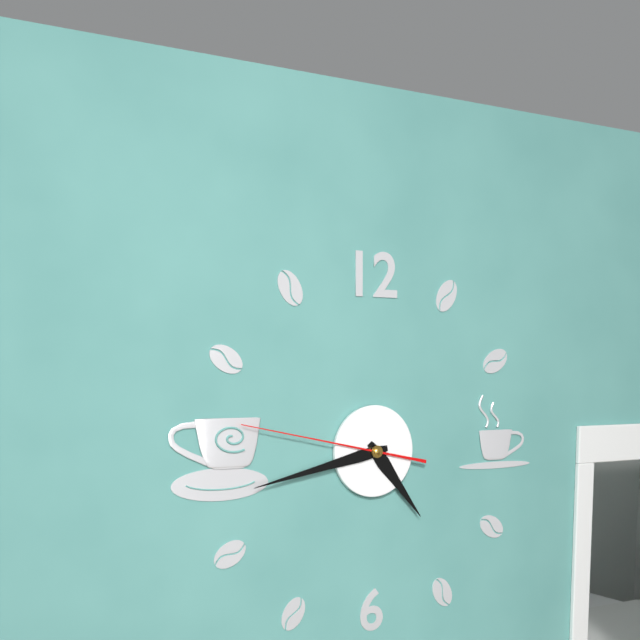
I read 4h43m47s
